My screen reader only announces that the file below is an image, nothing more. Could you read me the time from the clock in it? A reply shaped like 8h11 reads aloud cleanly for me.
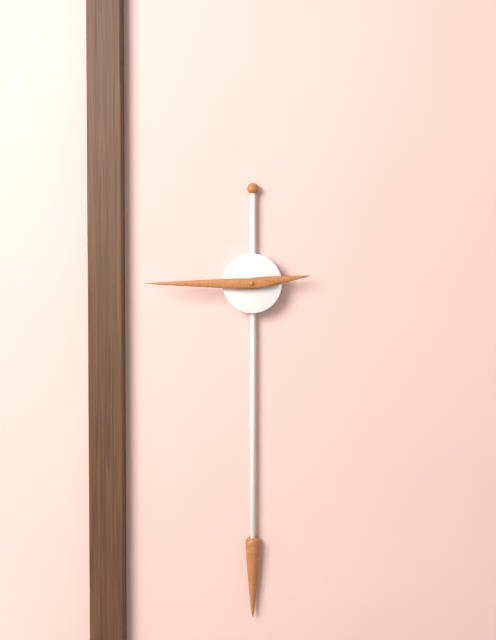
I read 2h45
